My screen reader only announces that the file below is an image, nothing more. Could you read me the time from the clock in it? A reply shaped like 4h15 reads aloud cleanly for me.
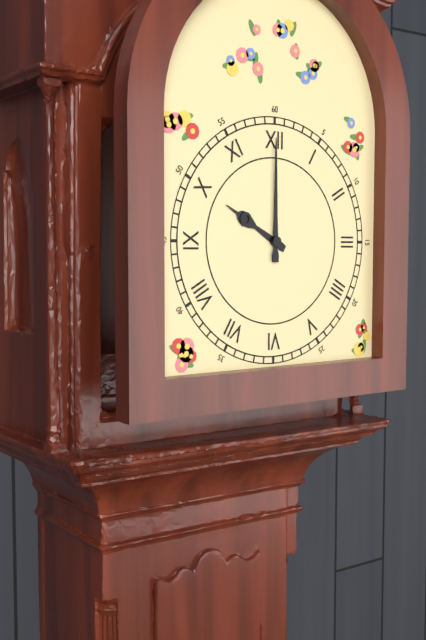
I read 10h00
